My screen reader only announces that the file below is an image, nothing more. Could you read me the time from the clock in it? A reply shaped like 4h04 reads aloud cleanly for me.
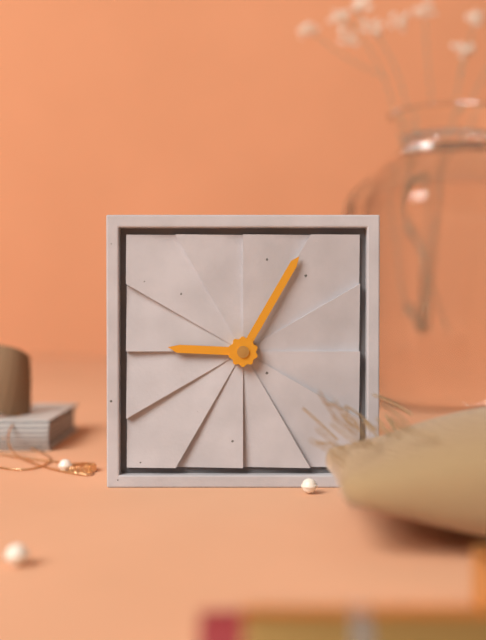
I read 9h05
